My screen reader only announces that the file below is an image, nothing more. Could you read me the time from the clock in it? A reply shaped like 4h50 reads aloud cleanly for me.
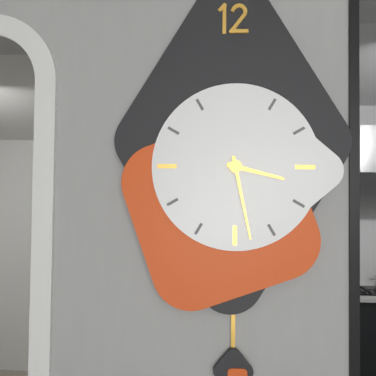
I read 3h28
